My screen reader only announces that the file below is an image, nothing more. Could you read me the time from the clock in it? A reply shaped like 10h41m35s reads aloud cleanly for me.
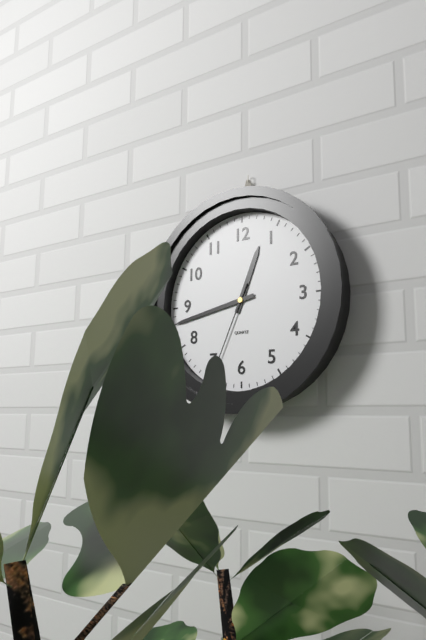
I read 12h43m34s
